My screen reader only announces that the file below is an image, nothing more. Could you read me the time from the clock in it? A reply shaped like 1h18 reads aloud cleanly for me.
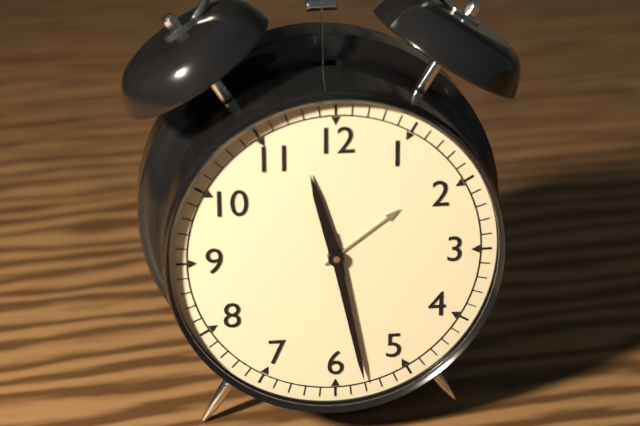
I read 11h28
